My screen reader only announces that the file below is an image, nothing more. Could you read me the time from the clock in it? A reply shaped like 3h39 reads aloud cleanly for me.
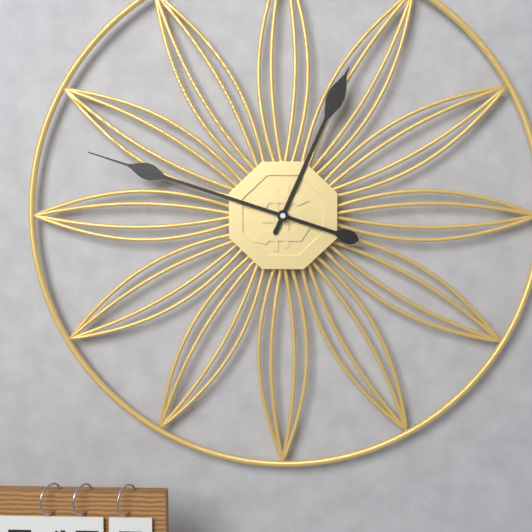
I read 12h48
